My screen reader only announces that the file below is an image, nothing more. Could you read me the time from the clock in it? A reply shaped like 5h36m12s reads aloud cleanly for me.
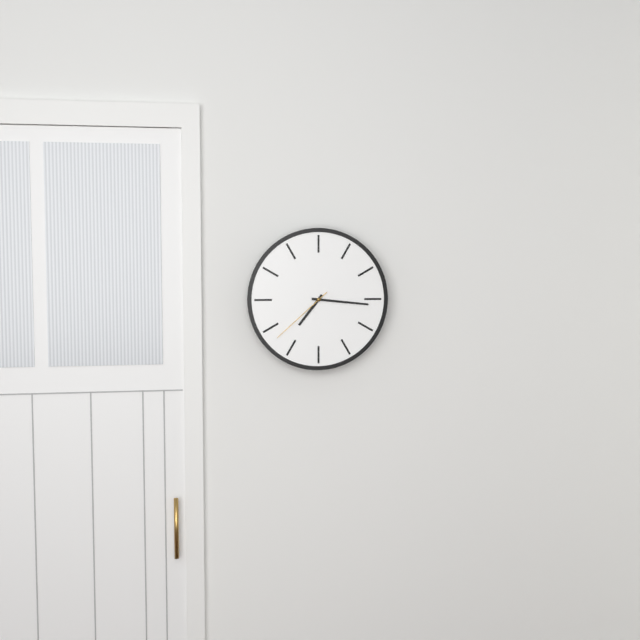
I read 7h16m38s
